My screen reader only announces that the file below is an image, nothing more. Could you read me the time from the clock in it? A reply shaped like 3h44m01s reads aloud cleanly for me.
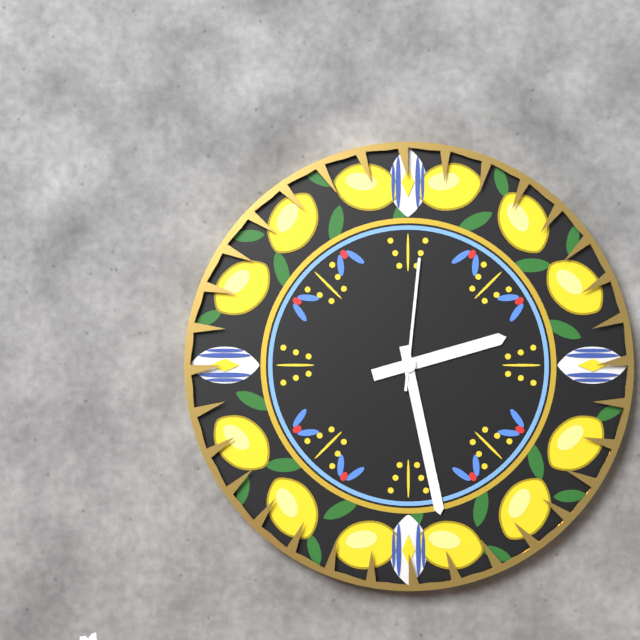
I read 2h28m01s
